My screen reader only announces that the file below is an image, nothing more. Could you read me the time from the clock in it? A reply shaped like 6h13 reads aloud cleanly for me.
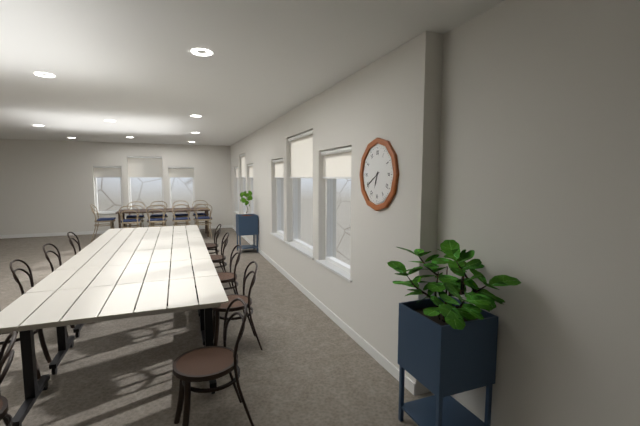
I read 6h40
